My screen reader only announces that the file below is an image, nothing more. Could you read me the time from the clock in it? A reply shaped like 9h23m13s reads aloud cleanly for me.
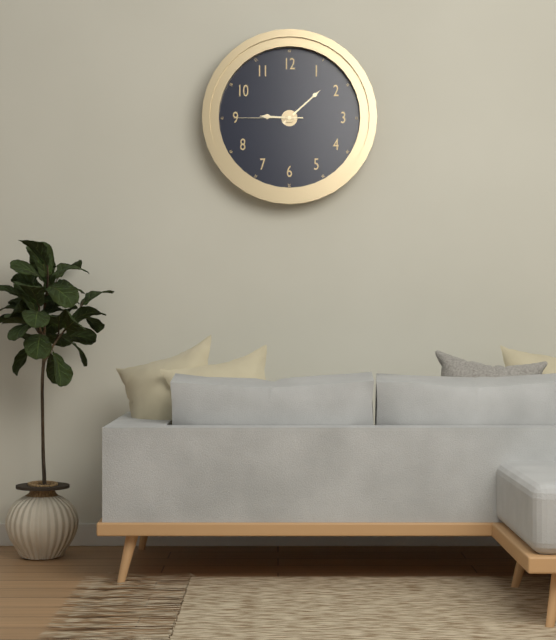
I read 9h08m45s
